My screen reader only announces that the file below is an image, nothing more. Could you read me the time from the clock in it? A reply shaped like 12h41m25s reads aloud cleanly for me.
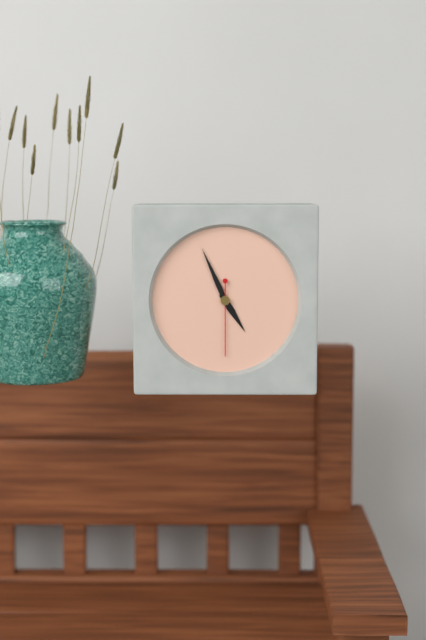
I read 4h56m30s
